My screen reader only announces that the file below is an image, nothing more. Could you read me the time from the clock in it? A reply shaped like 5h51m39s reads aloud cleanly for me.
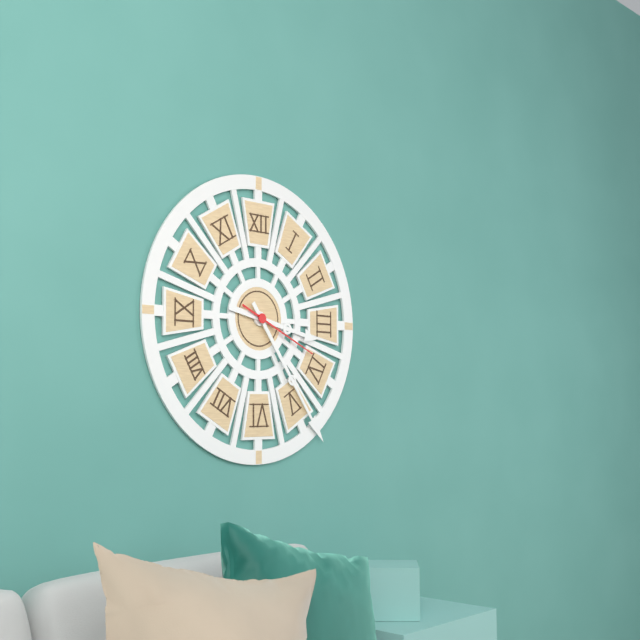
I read 3h24m19s
